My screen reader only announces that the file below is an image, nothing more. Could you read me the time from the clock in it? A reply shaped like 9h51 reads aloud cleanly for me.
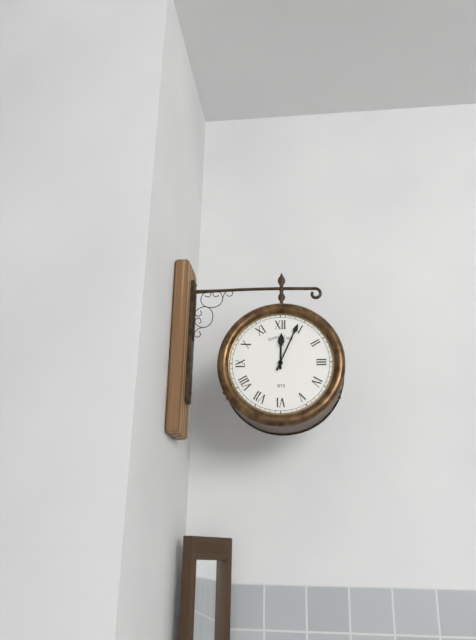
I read 12h04
